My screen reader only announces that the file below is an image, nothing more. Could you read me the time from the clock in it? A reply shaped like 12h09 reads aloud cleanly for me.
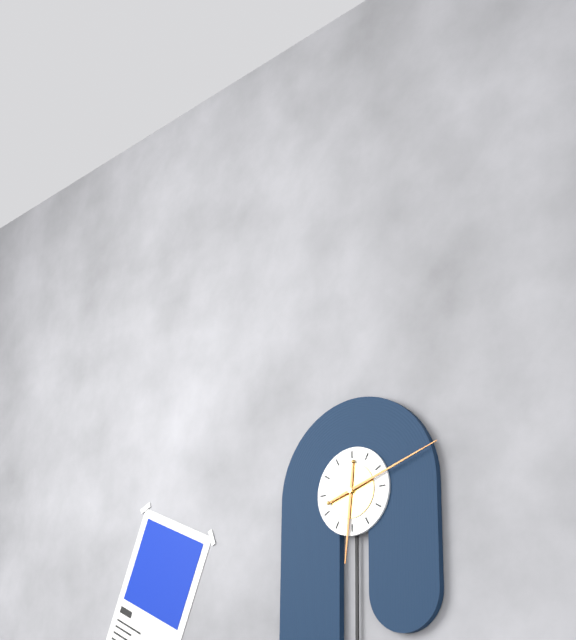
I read 6h12
